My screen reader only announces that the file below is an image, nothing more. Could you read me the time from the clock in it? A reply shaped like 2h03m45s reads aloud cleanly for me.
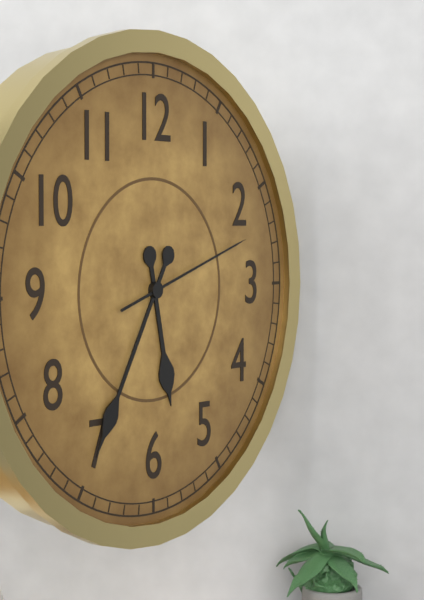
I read 5h35m12s
